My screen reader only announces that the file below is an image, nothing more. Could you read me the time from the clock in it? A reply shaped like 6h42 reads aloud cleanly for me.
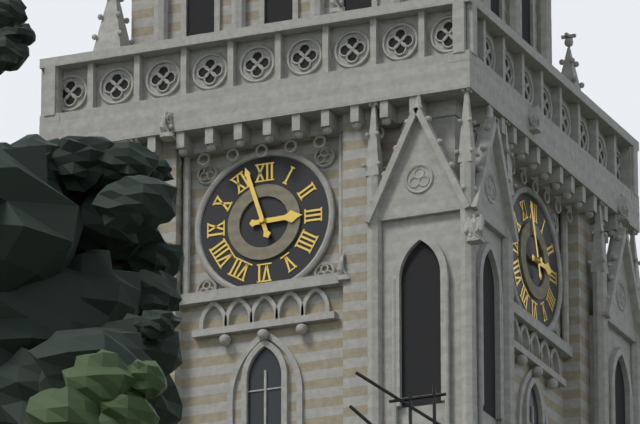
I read 2h57
